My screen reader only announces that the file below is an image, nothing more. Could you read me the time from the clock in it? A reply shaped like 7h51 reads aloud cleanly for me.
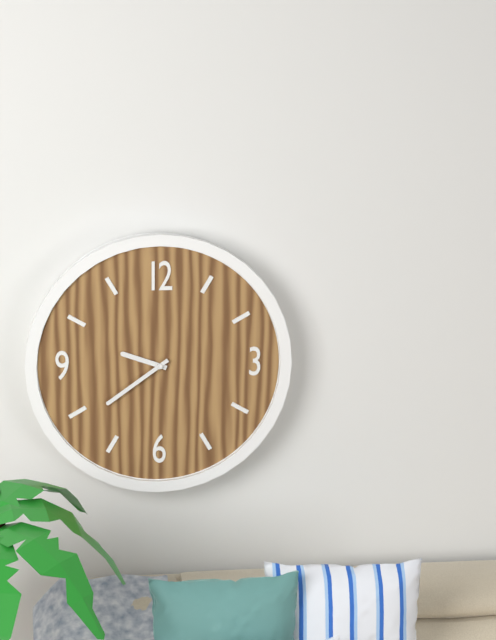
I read 9h39
